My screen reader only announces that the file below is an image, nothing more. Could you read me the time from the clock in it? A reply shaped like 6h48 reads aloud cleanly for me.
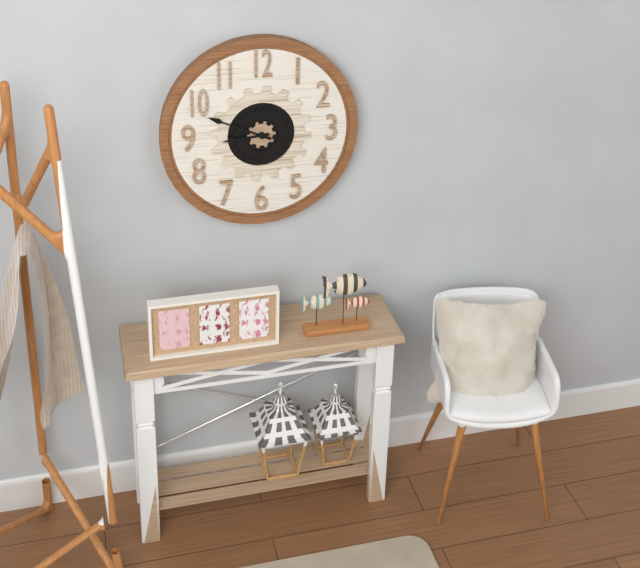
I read 8h49
